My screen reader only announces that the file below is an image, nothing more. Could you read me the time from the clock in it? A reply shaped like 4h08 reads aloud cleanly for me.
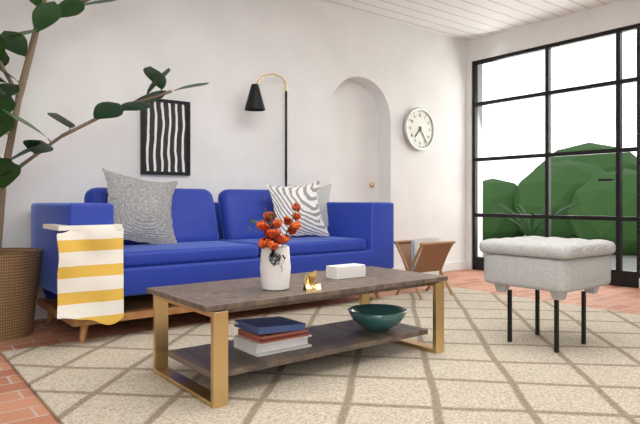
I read 7h24
